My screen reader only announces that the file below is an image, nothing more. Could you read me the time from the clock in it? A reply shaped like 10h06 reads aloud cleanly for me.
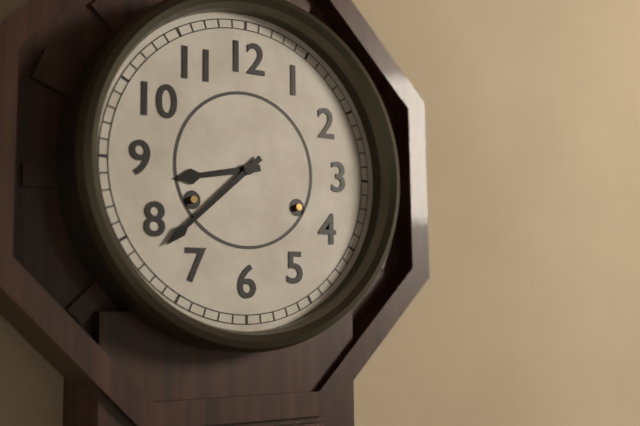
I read 8h38
